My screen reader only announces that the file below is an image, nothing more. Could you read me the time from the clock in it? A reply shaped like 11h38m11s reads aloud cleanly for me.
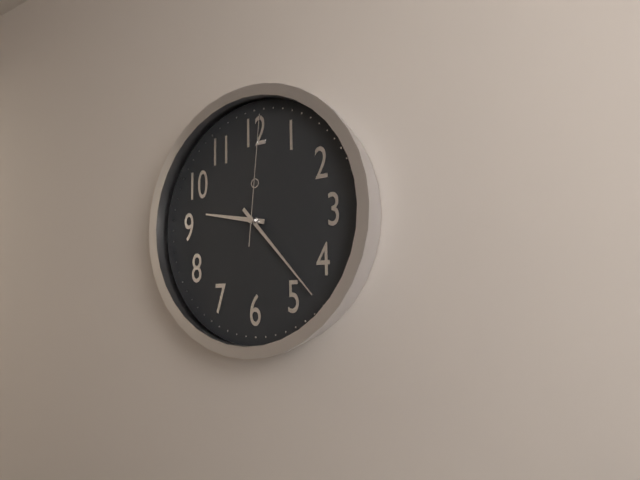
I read 9h23m01s
